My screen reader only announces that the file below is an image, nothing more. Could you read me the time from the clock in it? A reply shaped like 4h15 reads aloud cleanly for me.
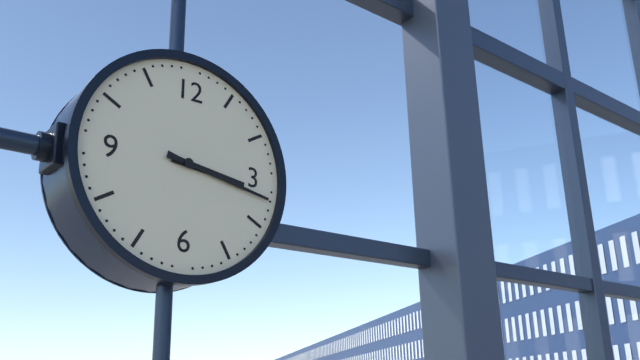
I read 3h17
